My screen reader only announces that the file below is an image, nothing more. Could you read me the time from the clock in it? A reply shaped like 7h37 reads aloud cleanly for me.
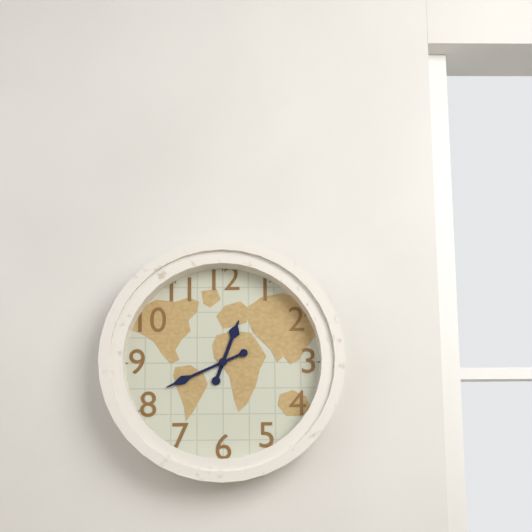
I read 12h41
